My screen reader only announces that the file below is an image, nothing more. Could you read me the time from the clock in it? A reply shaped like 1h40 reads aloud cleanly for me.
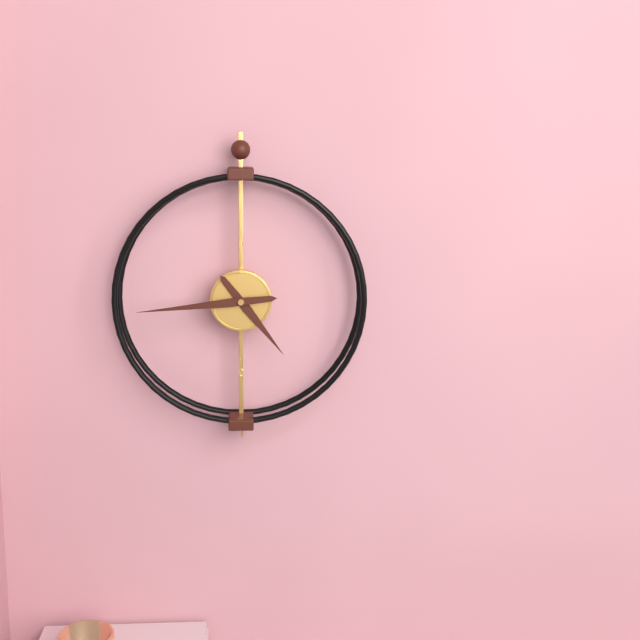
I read 4h44
